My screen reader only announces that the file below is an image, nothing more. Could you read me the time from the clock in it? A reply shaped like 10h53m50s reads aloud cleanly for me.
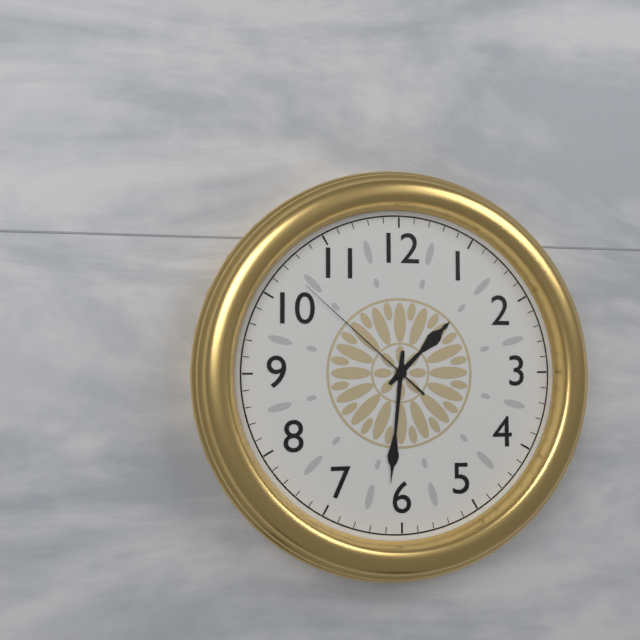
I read 1h31m52s
